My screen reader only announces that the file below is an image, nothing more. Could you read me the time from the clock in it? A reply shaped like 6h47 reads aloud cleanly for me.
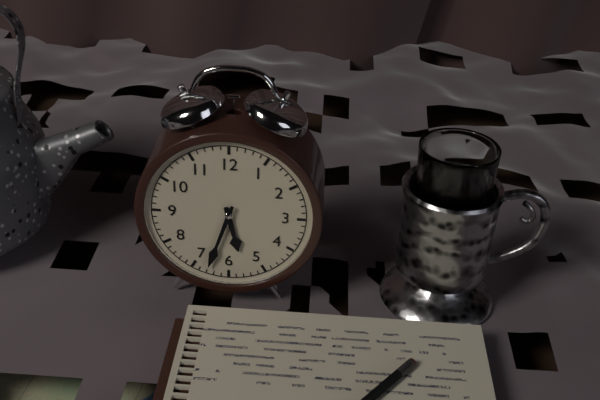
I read 5h33
